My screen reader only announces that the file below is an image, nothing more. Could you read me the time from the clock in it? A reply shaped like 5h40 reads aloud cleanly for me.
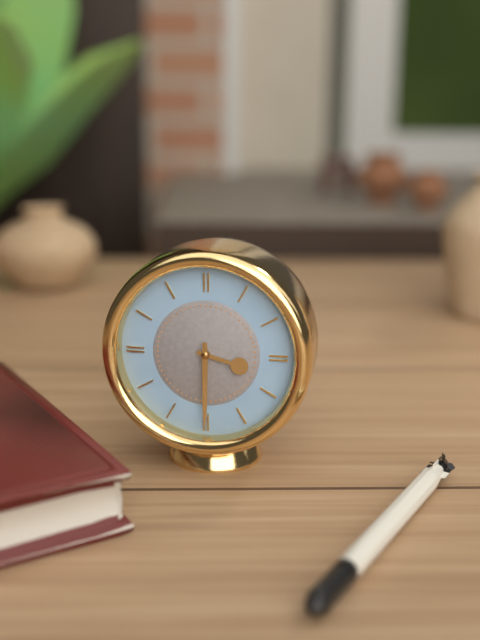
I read 3h30
